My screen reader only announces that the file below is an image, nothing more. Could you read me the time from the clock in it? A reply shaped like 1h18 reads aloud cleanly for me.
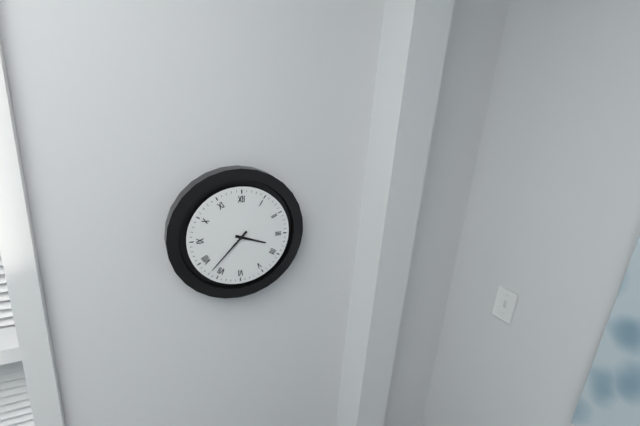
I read 3h37
